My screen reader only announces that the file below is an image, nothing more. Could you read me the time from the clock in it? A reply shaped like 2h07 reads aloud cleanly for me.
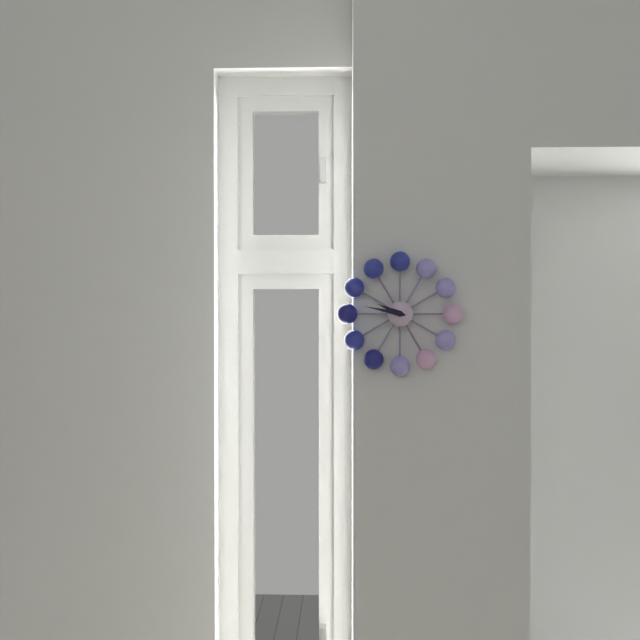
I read 9h47
